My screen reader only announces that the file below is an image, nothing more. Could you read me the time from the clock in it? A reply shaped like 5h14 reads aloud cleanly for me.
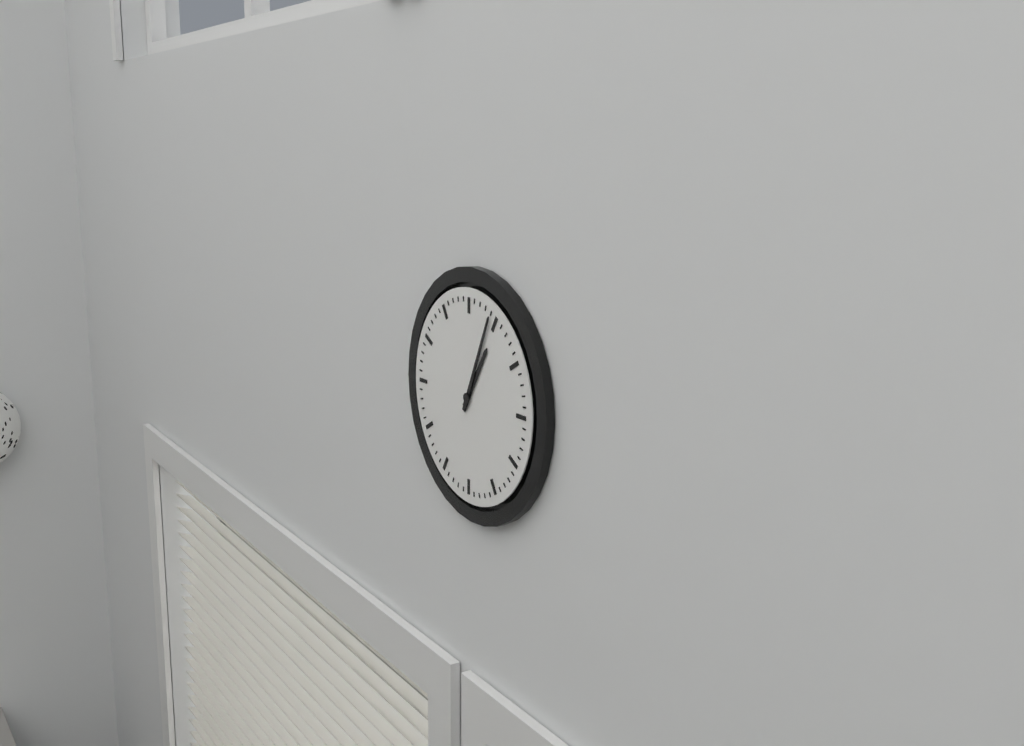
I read 1h04
